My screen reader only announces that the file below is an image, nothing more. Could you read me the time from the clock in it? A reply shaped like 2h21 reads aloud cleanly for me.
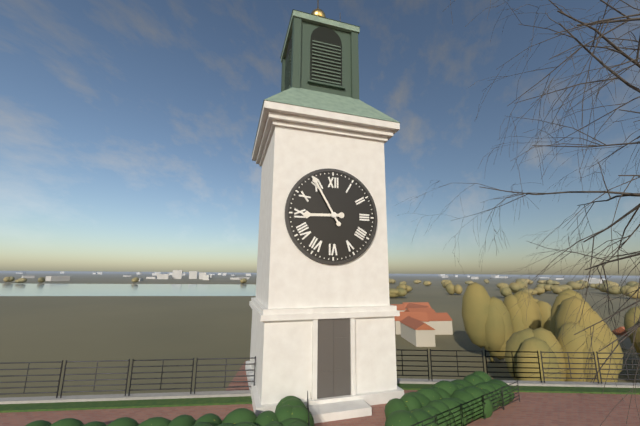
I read 8h55
